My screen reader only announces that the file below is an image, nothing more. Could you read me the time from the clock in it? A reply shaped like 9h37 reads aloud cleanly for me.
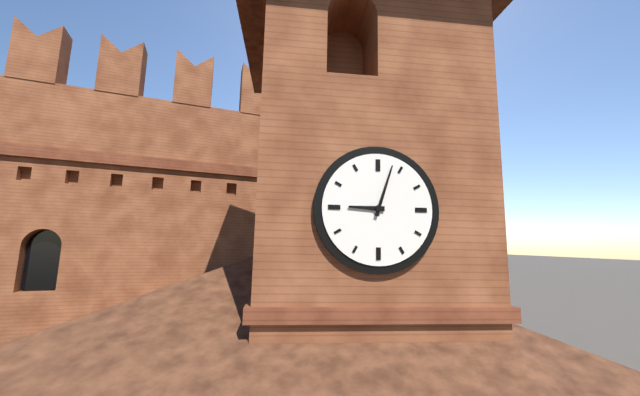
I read 9h03
